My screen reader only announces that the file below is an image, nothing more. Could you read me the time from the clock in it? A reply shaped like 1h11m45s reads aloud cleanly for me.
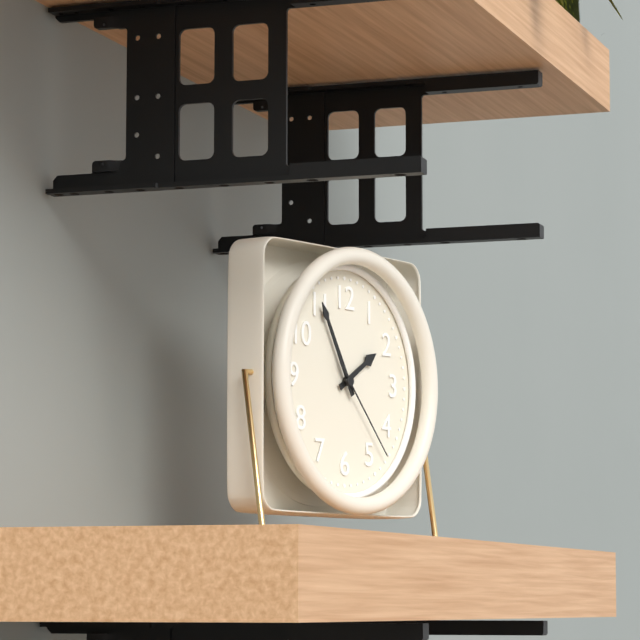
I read 1h55m23s
